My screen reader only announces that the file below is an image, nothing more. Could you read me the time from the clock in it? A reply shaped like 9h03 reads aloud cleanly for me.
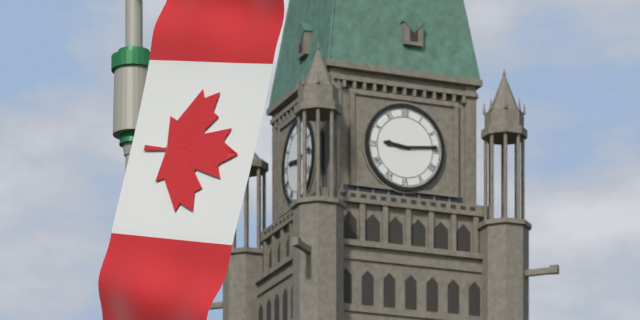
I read 9h14
